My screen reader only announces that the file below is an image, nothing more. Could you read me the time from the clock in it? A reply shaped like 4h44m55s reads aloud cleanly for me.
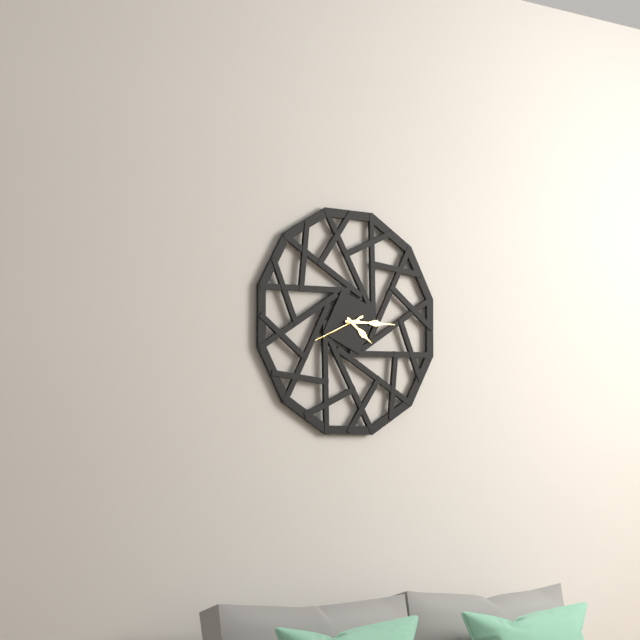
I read 4h15m41s
